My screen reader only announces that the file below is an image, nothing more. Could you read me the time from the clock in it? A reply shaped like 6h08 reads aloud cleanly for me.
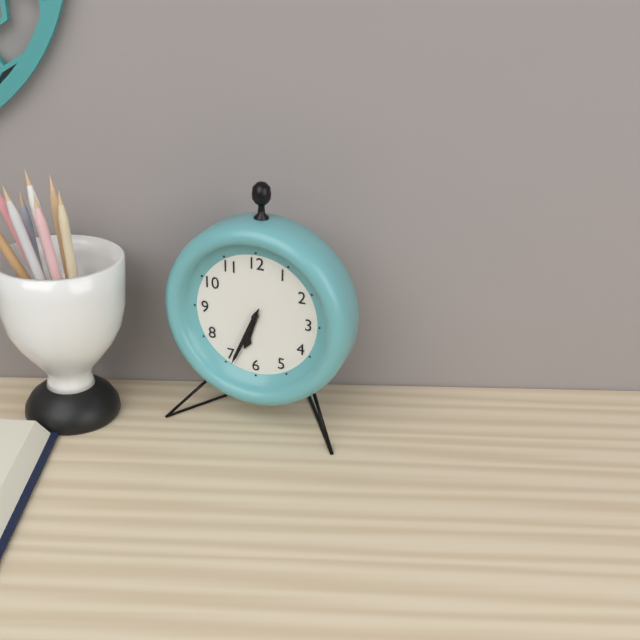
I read 6h34
